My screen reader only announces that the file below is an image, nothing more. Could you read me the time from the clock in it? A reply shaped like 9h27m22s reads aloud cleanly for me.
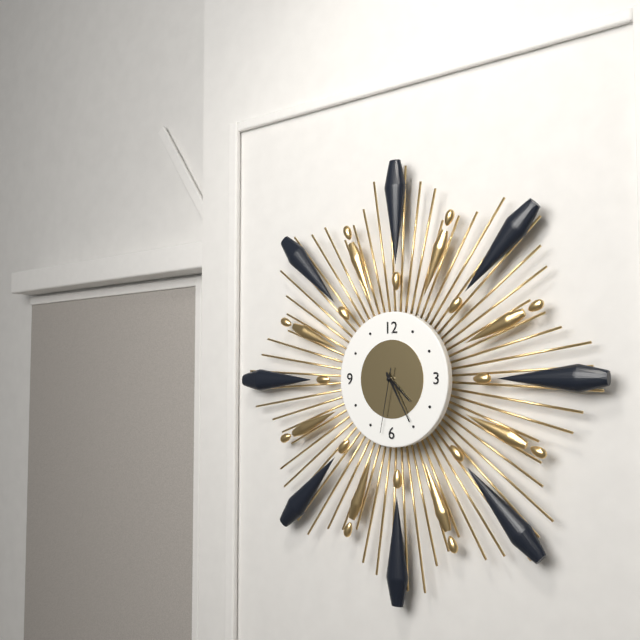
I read 4h25m32s
